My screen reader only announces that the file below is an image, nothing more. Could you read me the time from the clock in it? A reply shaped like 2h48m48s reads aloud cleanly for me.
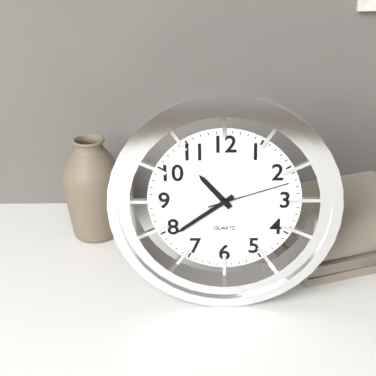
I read 10h39m12s
